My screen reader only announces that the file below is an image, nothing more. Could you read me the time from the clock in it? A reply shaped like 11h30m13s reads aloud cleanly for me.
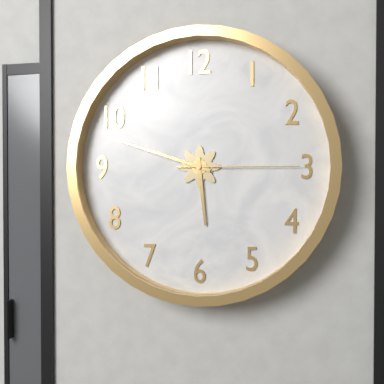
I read 5h48m15s
